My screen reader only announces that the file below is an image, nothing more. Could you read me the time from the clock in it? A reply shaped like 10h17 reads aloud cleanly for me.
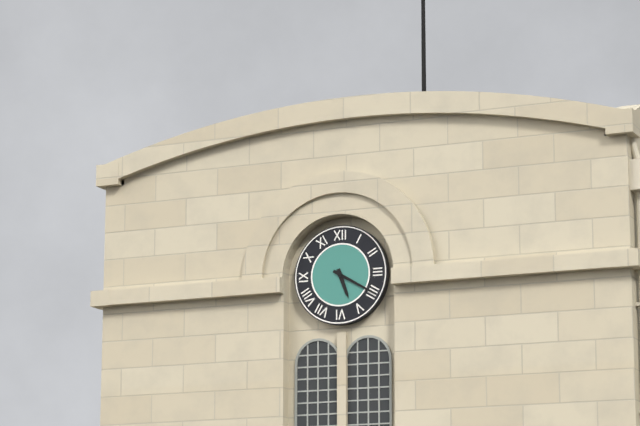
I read 5h20
